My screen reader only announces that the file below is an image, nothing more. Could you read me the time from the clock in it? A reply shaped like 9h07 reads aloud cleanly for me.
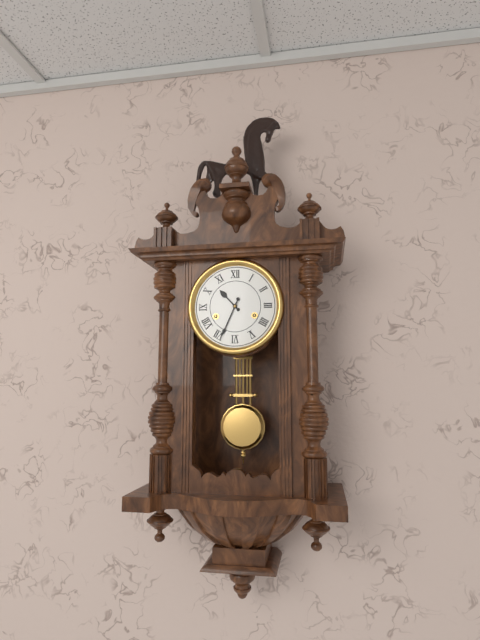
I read 10h34
